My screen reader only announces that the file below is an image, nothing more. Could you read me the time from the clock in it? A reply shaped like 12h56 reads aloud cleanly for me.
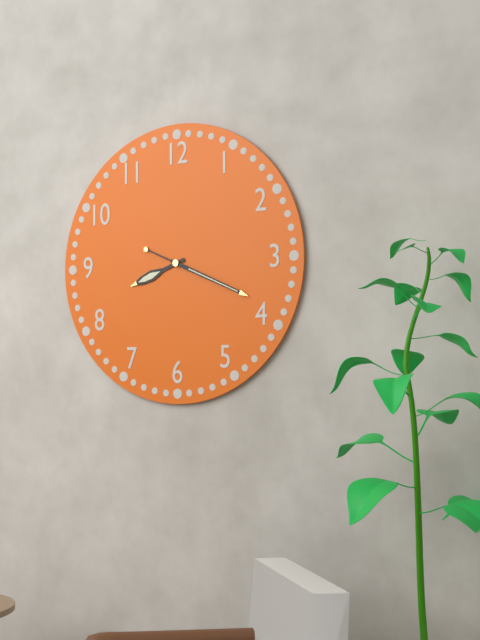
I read 8h19
